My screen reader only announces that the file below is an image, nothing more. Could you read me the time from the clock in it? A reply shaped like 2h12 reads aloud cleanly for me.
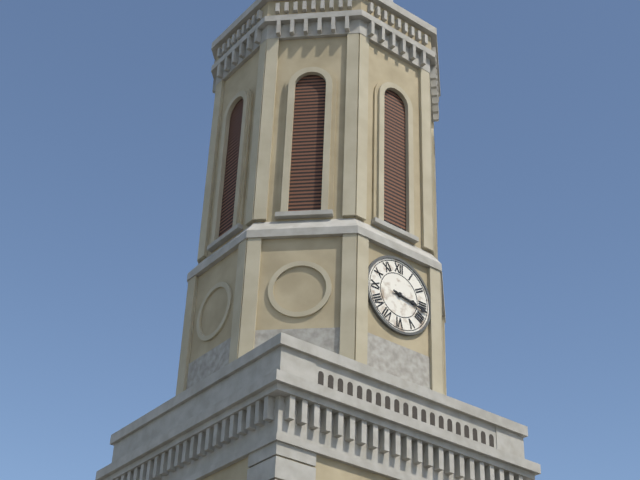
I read 3h17
